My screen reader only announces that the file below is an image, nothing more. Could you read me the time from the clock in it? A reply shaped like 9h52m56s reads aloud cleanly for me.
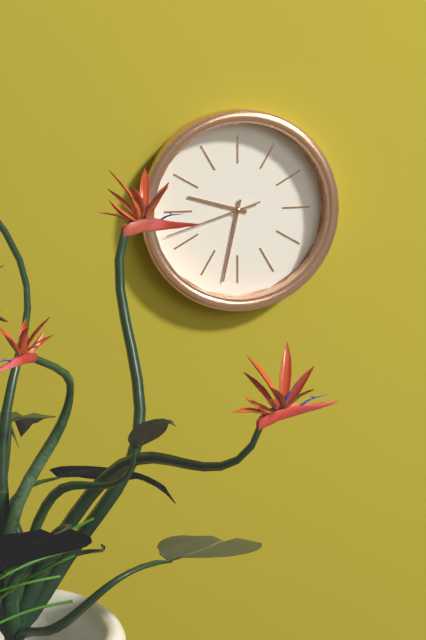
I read 9h32m42s
